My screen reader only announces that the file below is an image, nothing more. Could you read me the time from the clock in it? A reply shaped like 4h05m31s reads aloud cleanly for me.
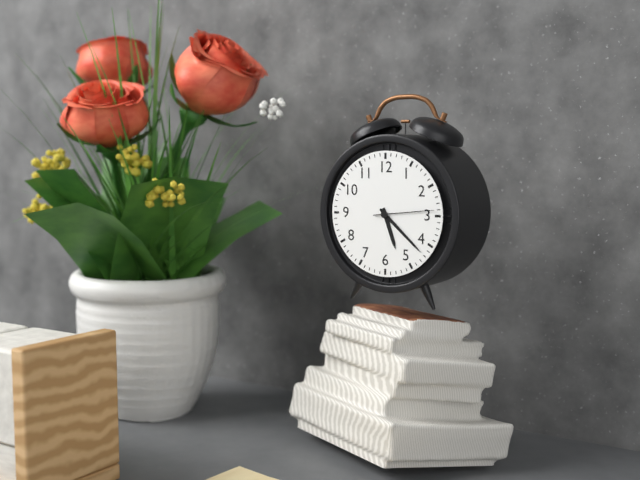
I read 5h22m14s
